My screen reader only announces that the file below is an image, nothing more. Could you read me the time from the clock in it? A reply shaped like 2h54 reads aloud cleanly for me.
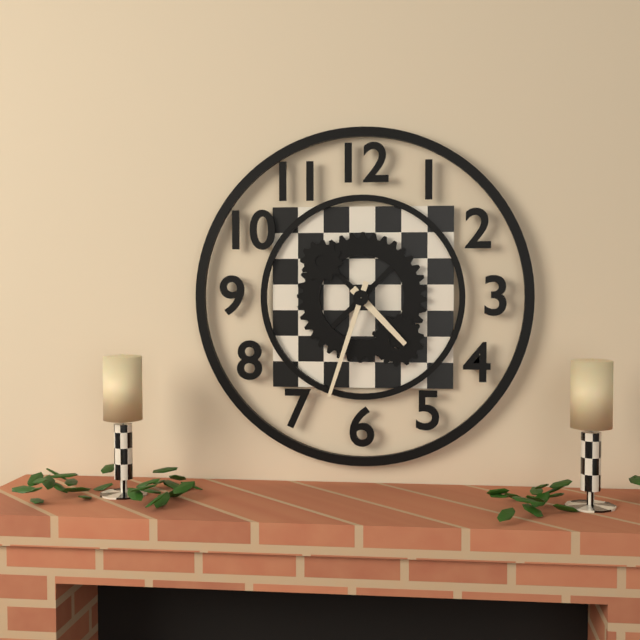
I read 4h33
